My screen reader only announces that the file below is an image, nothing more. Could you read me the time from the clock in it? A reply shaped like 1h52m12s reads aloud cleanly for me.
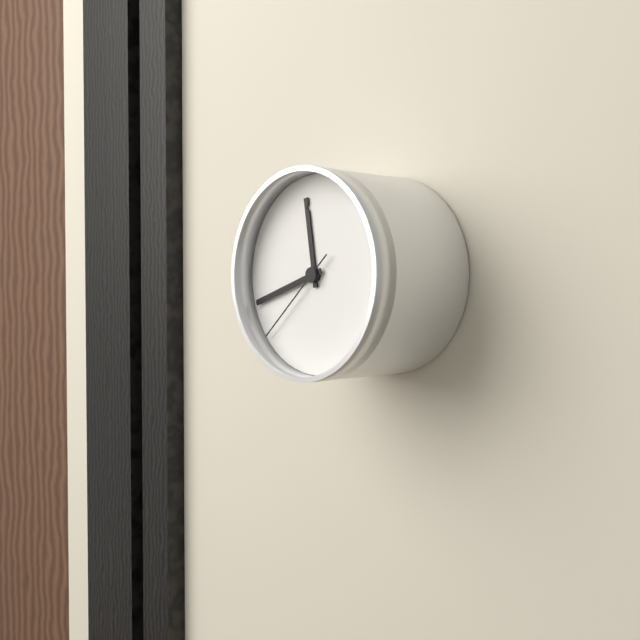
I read 11h42m38s
